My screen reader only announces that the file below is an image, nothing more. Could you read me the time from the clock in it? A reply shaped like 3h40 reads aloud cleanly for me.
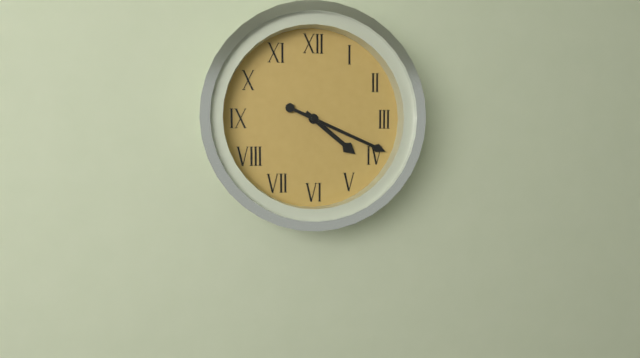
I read 4h19
